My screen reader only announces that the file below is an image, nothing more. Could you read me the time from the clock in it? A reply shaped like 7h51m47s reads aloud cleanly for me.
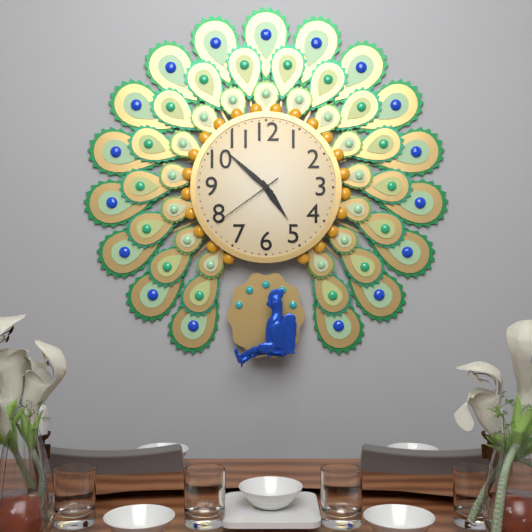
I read 4h52m39s
